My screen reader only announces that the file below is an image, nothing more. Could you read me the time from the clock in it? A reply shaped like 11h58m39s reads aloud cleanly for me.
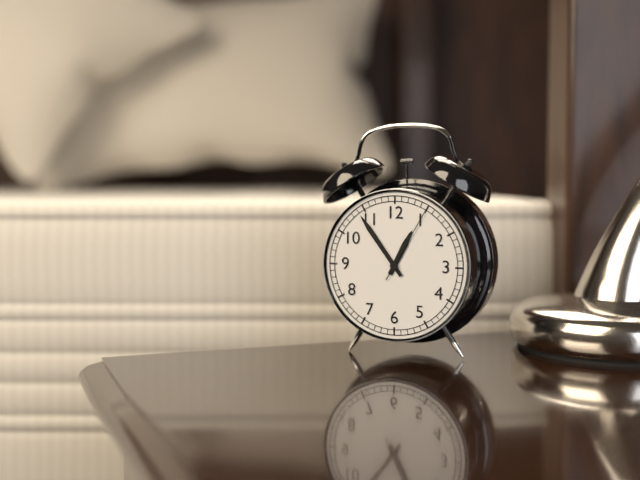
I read 12h54m05s
